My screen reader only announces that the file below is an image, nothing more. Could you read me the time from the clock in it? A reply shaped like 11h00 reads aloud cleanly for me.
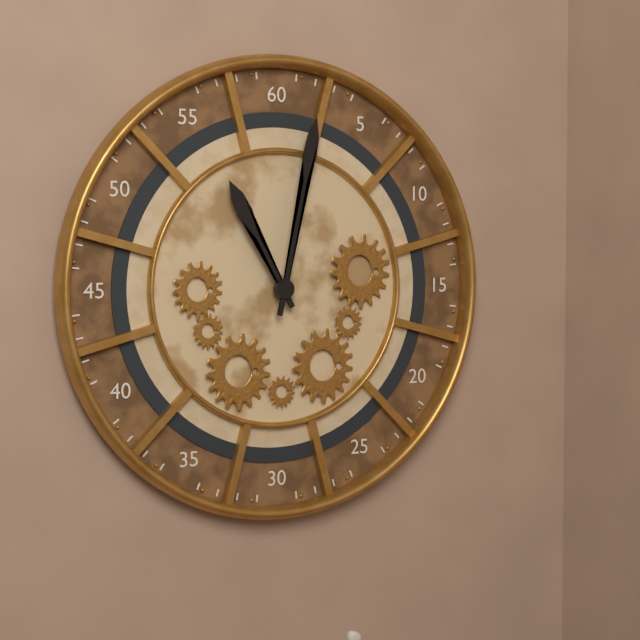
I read 11h02
